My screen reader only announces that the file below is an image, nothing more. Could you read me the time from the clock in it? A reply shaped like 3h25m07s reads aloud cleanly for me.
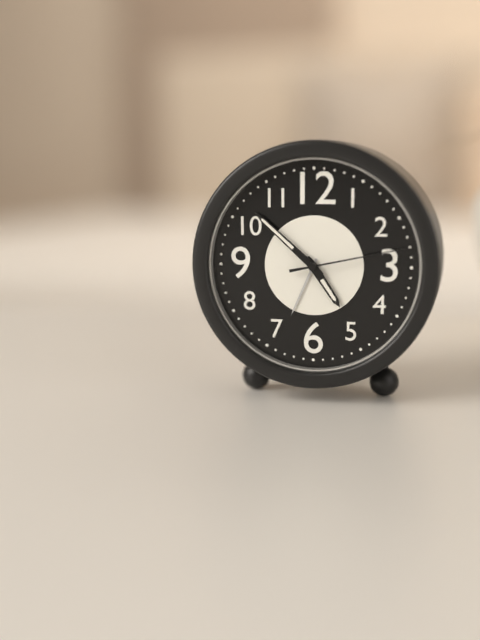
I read 4h52m13s
